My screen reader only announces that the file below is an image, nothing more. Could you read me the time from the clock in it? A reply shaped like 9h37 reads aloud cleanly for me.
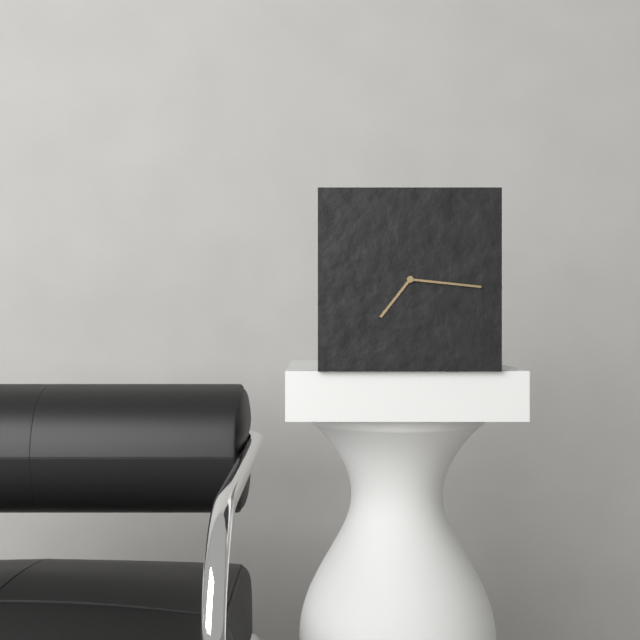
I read 7h16
